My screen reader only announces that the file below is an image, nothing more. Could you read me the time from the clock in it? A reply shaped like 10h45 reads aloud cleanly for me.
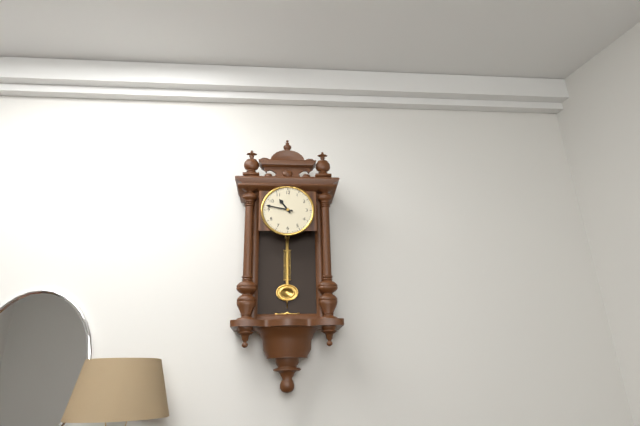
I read 10h47
